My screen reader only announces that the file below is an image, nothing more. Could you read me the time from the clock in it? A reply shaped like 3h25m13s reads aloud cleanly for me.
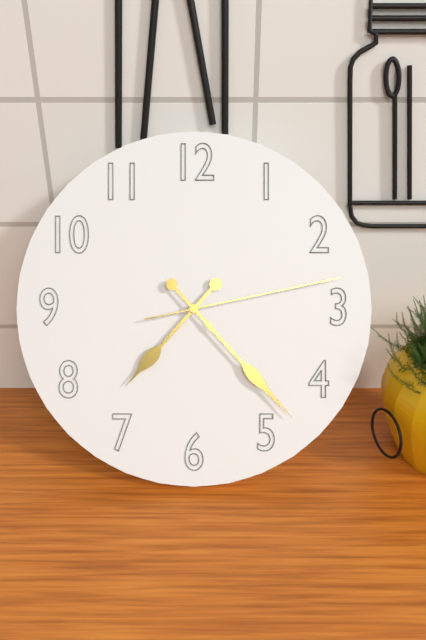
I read 7h23m13s
